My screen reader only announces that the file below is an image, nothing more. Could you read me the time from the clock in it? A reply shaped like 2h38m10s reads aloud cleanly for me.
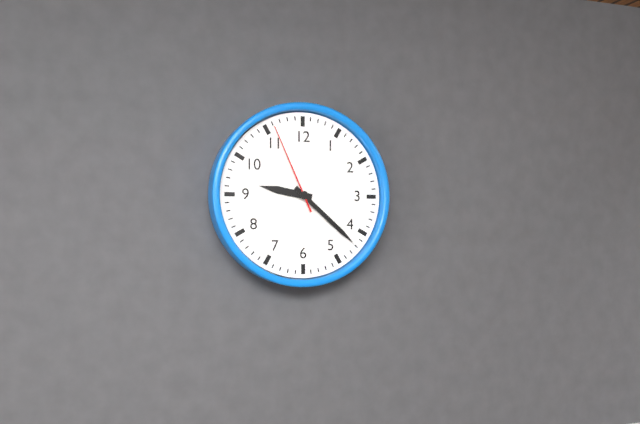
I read 9h22m56s
